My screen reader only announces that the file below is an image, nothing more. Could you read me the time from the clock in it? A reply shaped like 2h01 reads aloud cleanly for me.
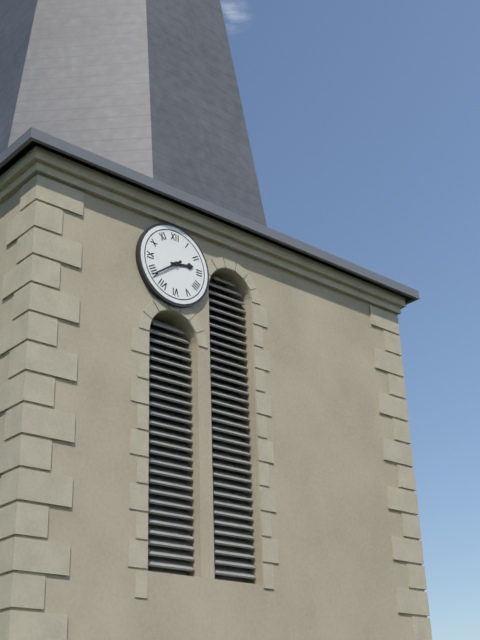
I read 2h39
